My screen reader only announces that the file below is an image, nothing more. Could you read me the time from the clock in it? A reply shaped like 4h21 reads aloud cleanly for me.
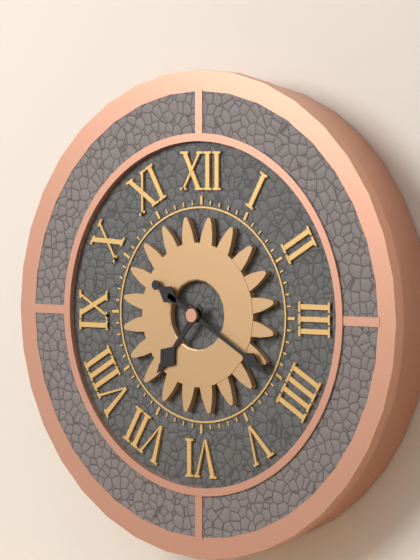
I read 7h20
